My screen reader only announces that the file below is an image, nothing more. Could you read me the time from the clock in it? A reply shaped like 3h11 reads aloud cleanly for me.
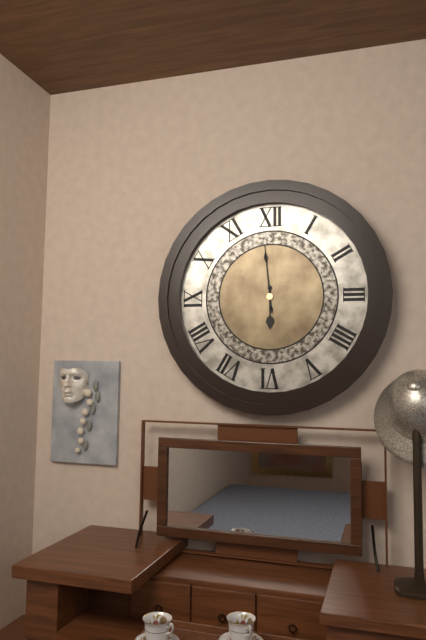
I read 5h59
